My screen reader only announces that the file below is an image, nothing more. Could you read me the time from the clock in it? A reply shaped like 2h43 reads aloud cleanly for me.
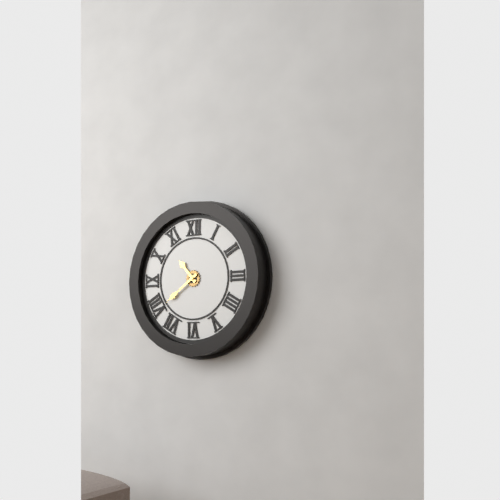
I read 10h39
